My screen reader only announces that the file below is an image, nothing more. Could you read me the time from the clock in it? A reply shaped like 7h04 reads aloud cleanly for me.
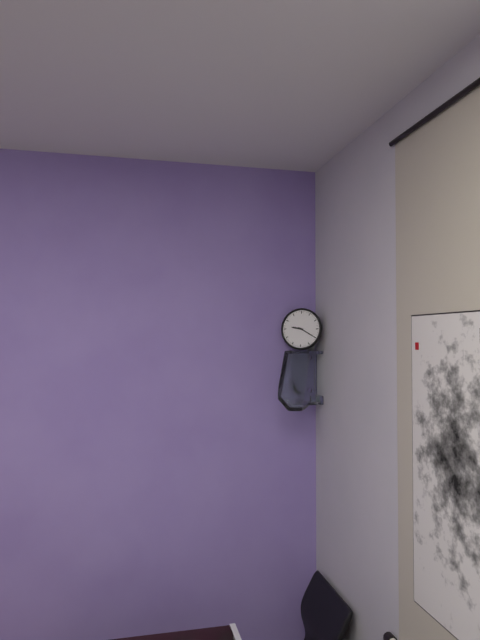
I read 9h20
